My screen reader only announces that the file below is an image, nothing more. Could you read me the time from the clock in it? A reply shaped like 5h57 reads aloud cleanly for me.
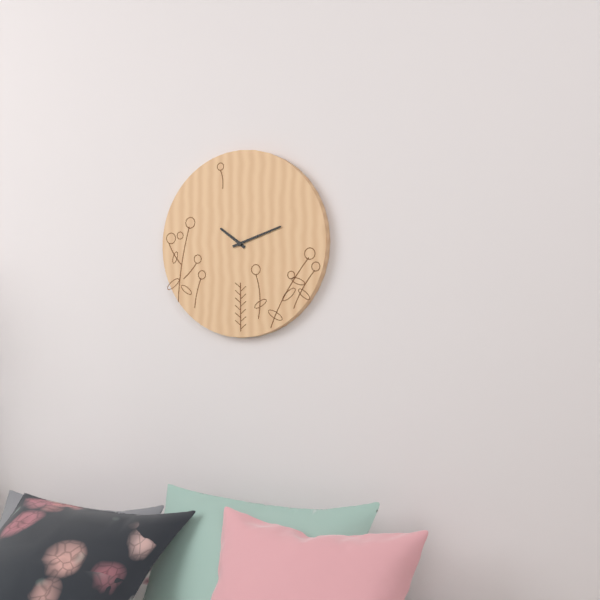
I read 10h12
